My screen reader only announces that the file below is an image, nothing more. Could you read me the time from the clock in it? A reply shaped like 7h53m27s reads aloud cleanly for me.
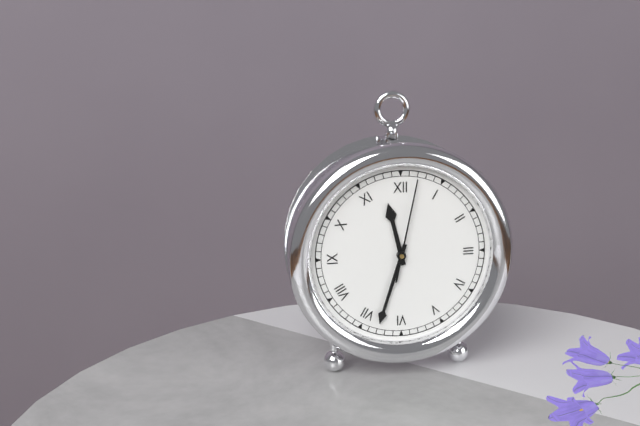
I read 11h33m02s
